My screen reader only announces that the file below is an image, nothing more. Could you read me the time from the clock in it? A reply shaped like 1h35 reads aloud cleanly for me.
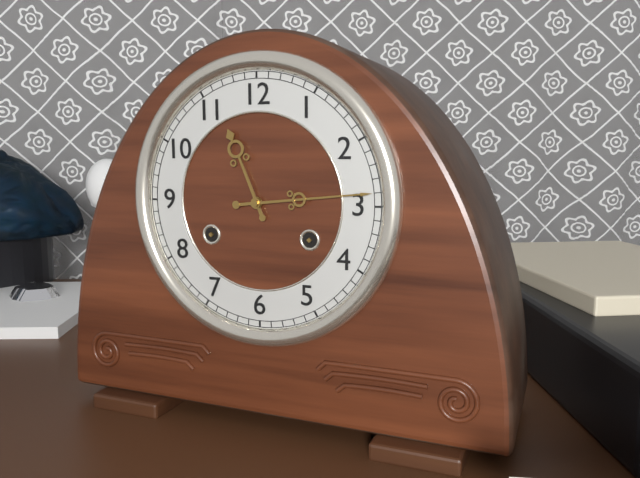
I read 11h14
